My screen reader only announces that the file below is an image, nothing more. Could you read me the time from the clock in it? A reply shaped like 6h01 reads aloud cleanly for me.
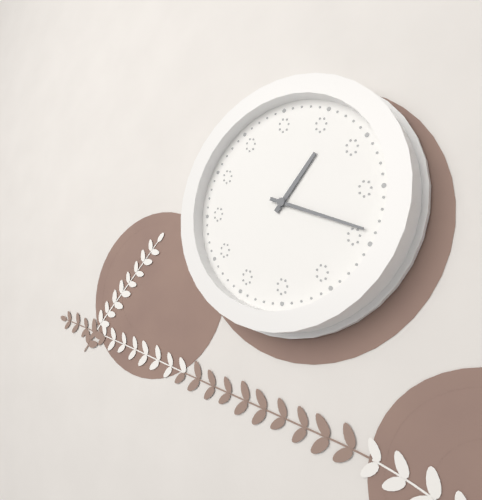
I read 1h19
